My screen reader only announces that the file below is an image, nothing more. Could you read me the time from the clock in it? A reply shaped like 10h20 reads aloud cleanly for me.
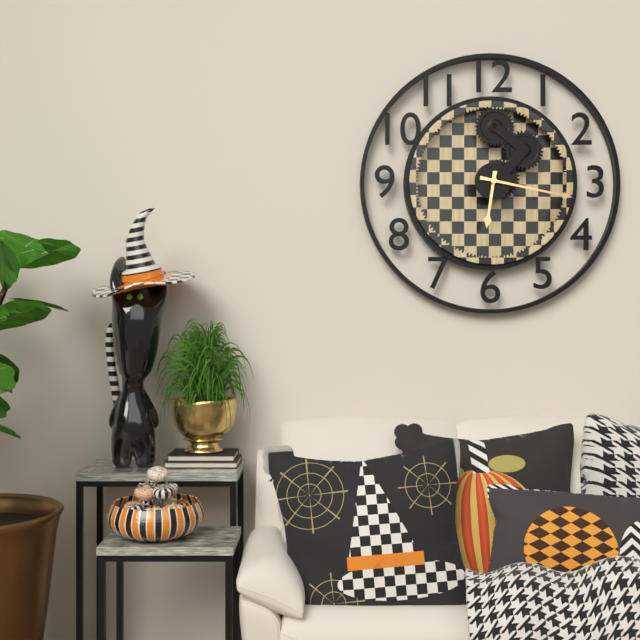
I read 6h17
